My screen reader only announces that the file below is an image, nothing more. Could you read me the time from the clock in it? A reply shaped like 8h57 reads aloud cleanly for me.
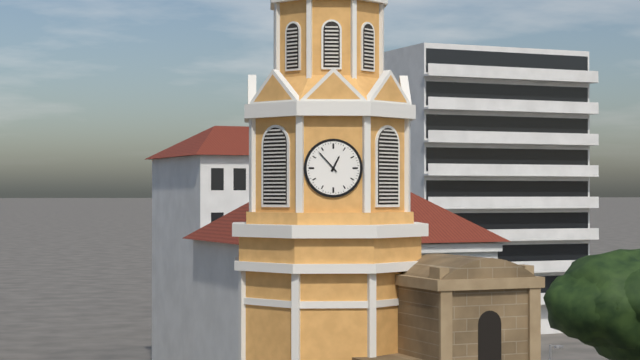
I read 12h53
